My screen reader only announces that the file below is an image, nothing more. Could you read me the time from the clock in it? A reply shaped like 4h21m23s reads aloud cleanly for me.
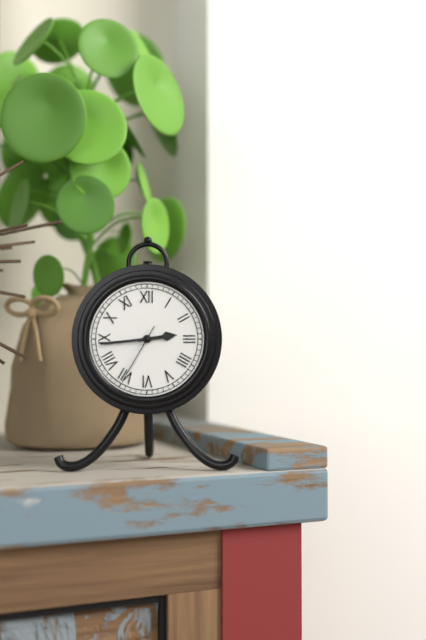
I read 2h44m35s
